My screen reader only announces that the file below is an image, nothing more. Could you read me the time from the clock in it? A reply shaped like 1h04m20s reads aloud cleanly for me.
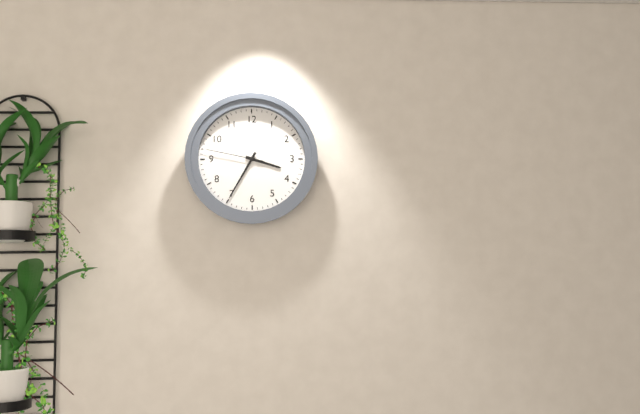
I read 3h35m47s
